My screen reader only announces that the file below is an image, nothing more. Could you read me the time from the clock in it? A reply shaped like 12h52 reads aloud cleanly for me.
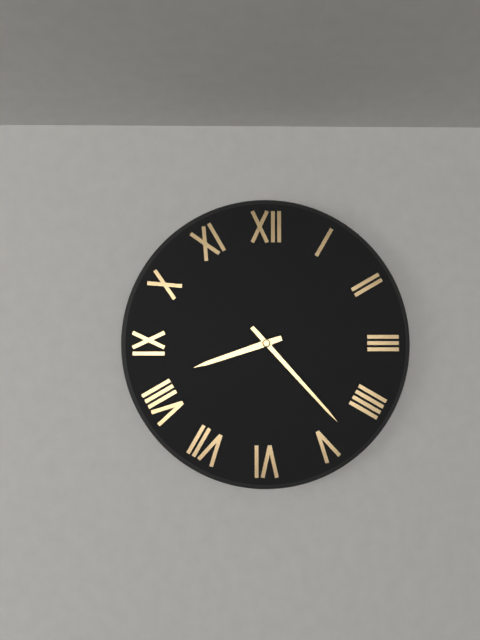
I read 8h23
